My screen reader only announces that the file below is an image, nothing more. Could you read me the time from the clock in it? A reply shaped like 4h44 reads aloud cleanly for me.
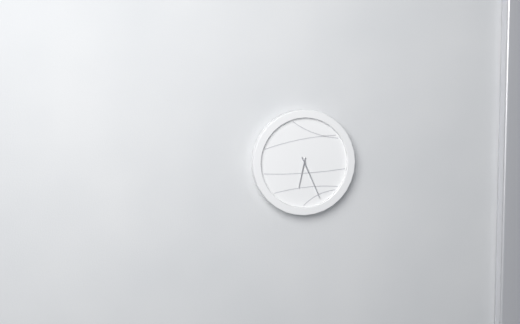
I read 6h26
